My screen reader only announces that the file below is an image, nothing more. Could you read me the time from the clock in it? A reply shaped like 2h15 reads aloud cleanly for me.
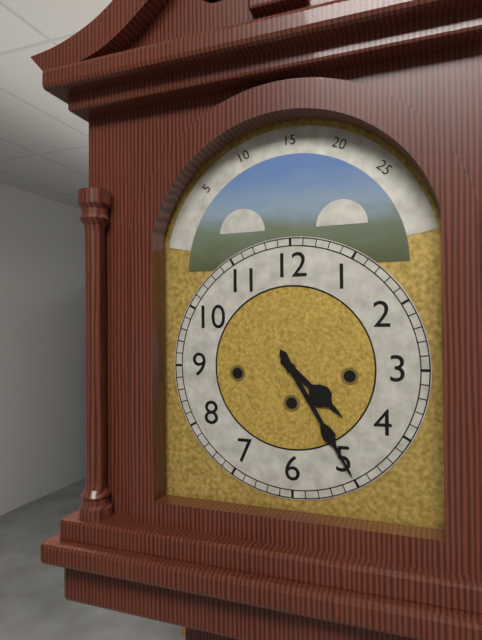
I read 4h25
